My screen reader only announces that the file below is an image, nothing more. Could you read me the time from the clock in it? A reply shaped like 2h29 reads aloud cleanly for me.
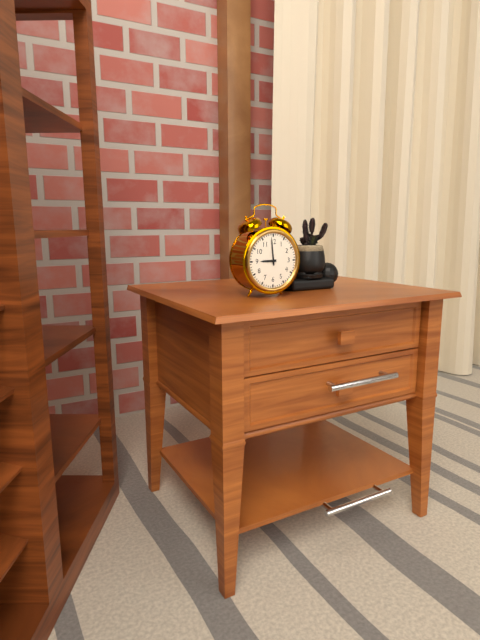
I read 8h59
